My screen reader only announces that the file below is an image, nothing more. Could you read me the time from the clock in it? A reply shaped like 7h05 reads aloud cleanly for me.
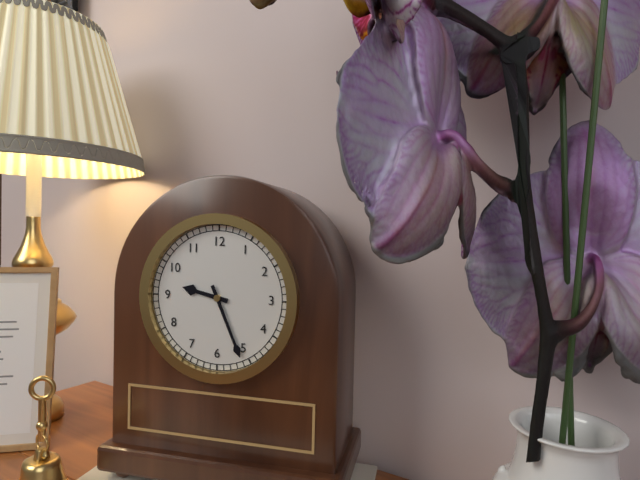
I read 9h26
